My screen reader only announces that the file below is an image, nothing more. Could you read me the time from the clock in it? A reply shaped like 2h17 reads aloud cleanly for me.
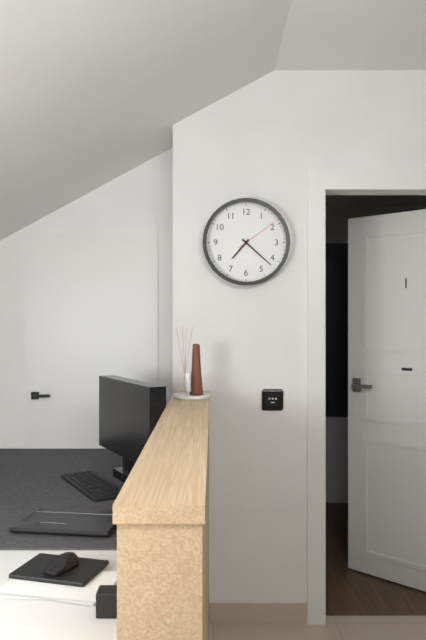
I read 7h22
